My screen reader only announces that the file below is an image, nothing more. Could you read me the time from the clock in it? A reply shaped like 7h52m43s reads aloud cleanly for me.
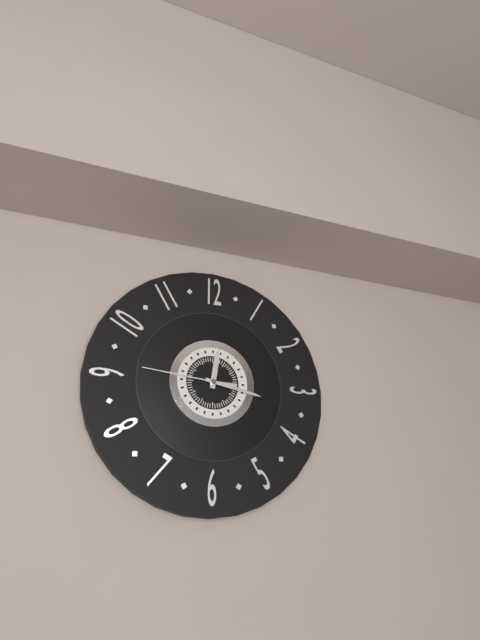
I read 12h17m46s
